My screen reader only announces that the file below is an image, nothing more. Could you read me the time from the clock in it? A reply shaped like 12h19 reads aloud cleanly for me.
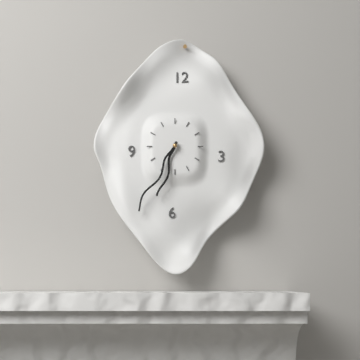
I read 6h35
